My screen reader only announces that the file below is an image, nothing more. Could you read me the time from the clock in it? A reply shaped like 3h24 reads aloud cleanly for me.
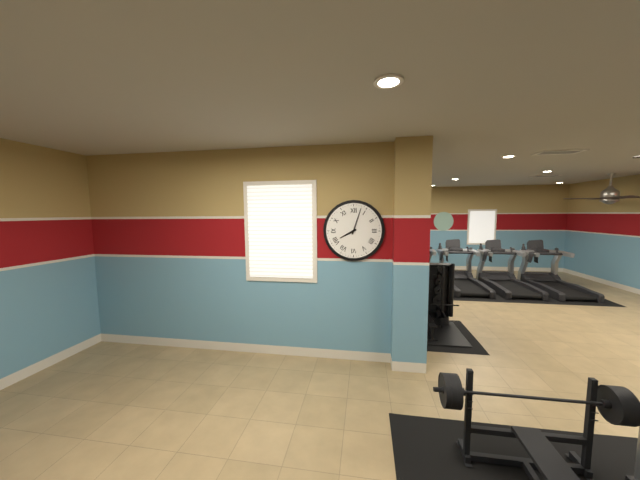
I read 8h03
